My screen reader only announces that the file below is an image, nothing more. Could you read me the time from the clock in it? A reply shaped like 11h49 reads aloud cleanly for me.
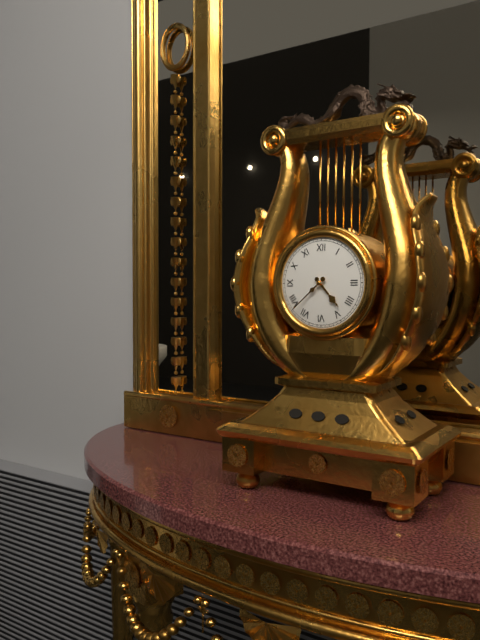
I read 4h38
